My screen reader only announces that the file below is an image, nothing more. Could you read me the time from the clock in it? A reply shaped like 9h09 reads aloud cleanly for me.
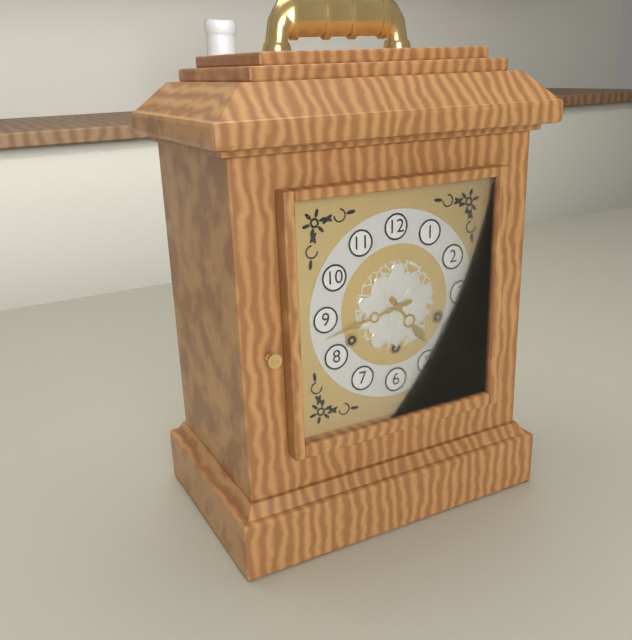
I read 4h43
